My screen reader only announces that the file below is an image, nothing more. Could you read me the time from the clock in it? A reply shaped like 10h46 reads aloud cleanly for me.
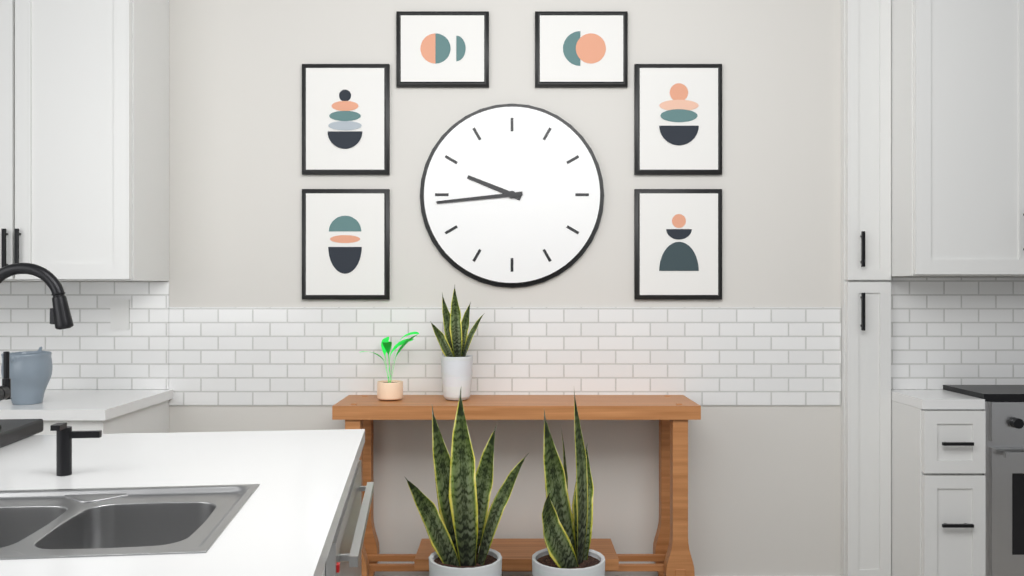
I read 9h44
